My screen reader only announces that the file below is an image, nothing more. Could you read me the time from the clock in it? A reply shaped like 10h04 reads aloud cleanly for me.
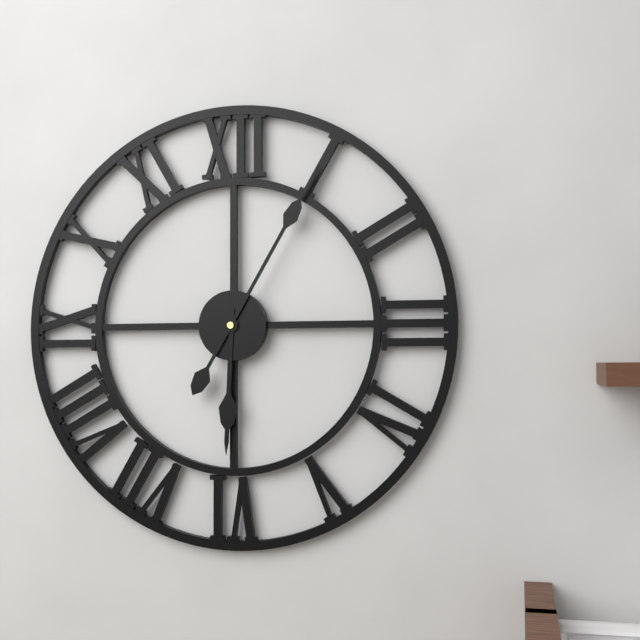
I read 6h05
